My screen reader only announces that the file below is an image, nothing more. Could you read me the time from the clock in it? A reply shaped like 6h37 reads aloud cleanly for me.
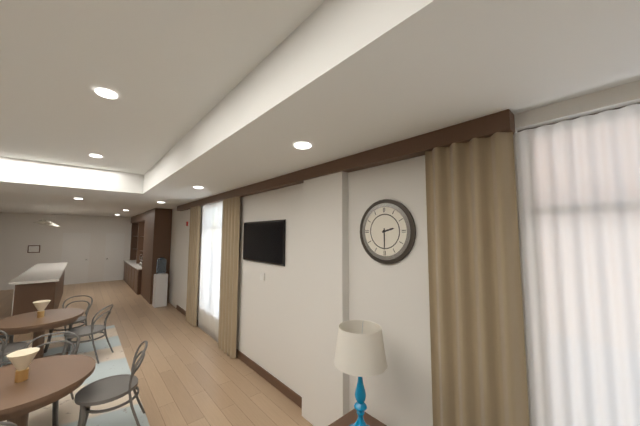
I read 2h30
